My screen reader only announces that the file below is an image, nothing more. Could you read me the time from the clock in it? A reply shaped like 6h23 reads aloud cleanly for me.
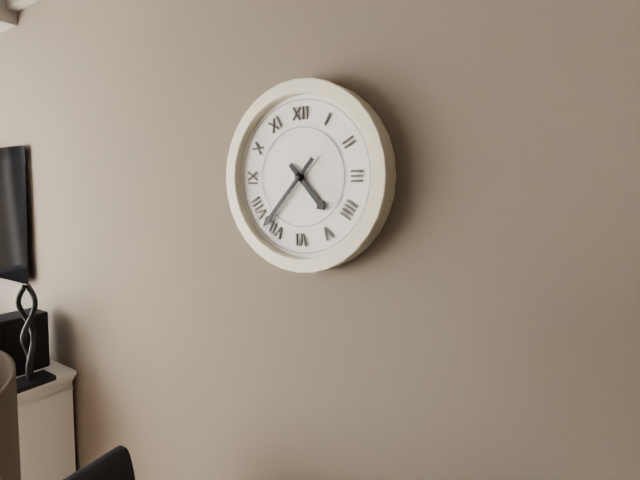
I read 4h37
